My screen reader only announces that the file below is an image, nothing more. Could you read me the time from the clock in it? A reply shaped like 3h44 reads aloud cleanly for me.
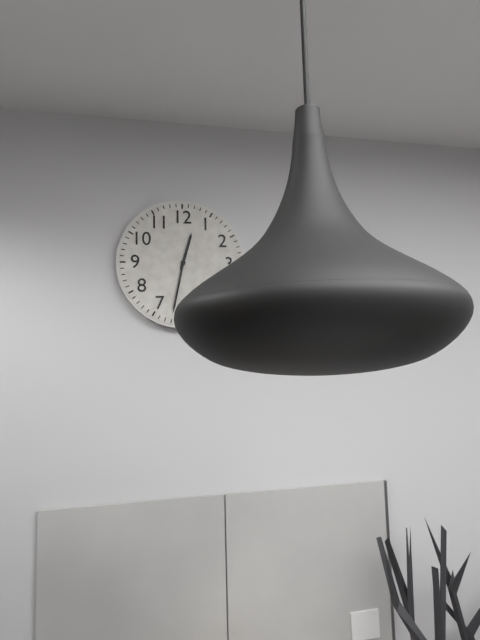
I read 12h32
